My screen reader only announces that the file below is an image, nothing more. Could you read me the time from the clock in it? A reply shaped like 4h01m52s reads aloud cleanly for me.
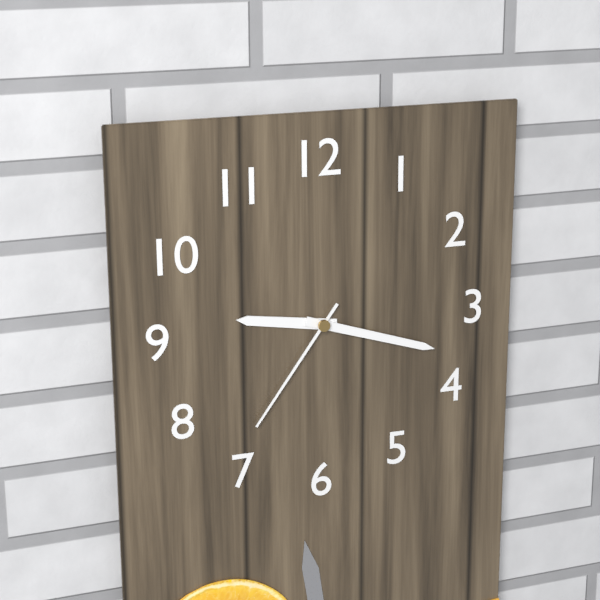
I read 9h18m36s
